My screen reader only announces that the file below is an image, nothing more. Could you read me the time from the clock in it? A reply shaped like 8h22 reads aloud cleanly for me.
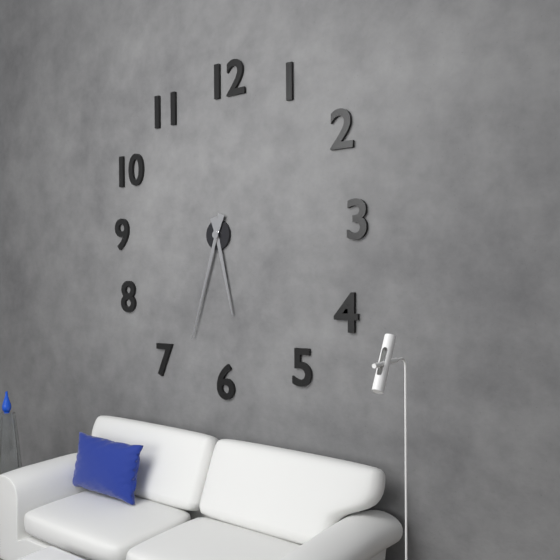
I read 5h33
